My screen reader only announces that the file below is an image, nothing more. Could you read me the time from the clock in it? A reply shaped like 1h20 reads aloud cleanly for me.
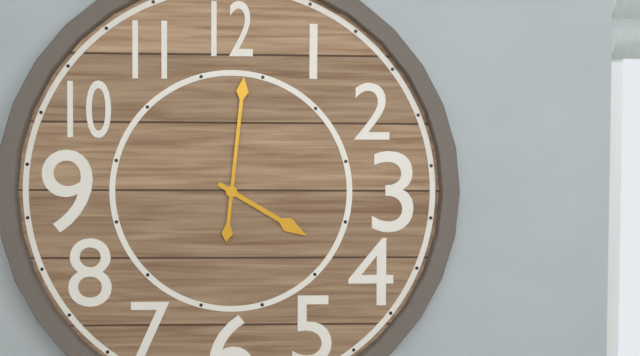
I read 4h01
